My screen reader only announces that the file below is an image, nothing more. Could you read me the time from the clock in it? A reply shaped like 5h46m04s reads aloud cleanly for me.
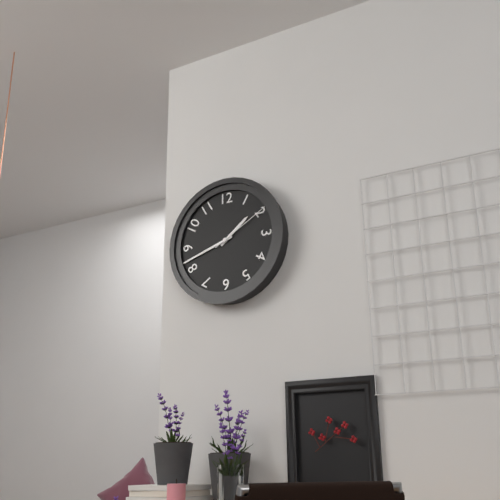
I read 1h42m10s
